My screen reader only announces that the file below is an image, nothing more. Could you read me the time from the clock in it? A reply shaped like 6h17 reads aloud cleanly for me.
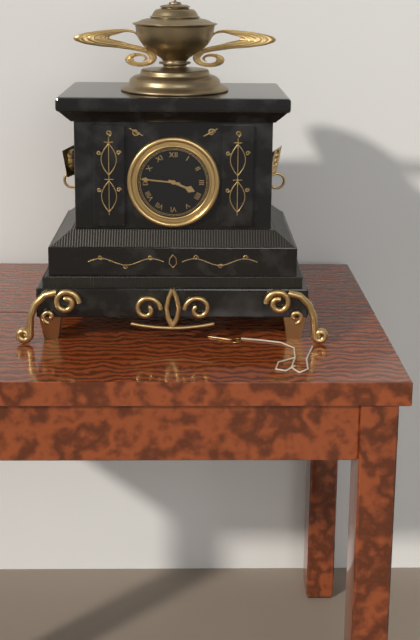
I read 3h46
